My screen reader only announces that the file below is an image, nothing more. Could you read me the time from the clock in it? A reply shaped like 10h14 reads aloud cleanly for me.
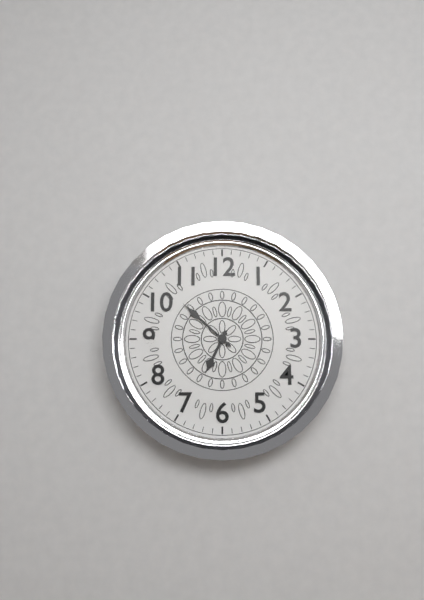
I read 6h52
